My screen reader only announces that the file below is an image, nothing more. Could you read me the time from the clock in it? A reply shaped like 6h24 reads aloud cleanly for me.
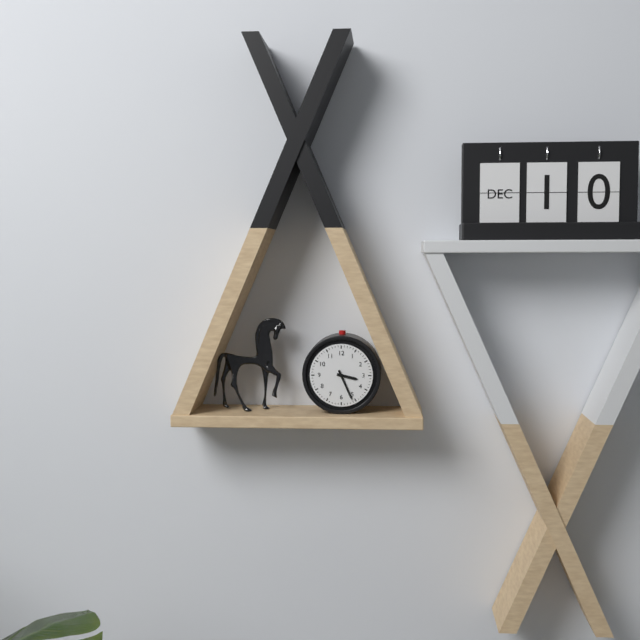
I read 3h26
